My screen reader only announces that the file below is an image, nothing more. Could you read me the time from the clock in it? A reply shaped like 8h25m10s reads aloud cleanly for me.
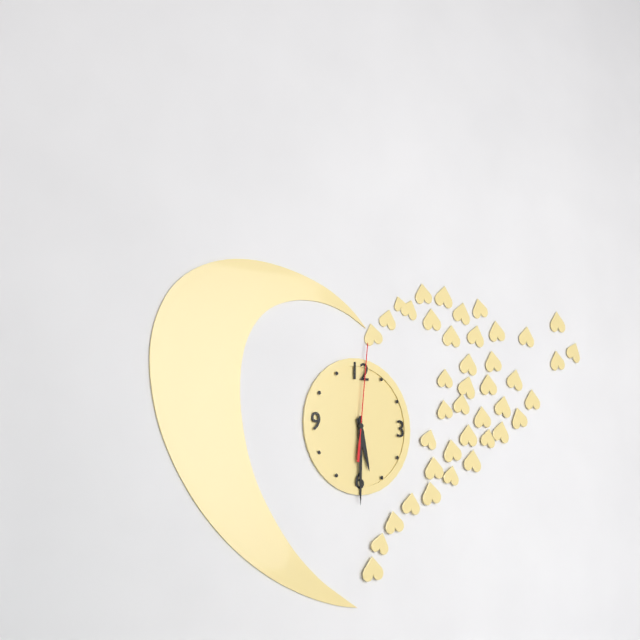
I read 5h30m01s
